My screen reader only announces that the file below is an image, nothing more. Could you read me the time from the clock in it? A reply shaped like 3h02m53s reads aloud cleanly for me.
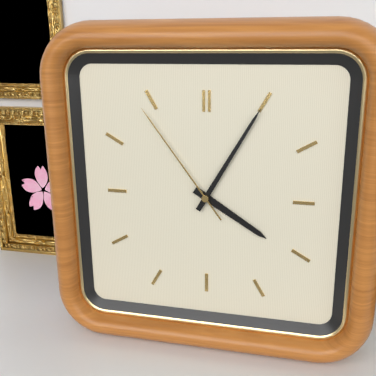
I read 4h05m54s
